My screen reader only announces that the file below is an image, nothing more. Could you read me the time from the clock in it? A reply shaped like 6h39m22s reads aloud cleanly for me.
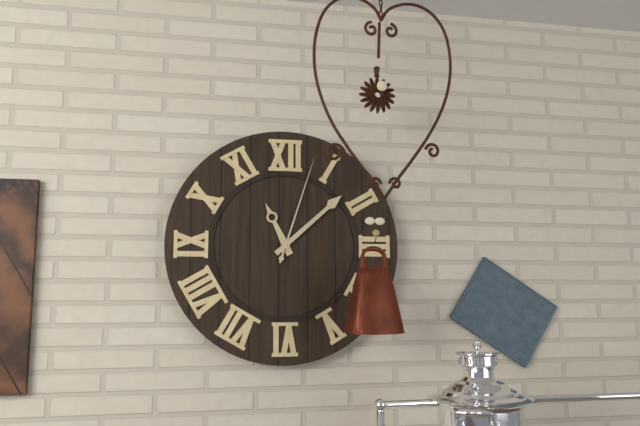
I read 11h08m03s
